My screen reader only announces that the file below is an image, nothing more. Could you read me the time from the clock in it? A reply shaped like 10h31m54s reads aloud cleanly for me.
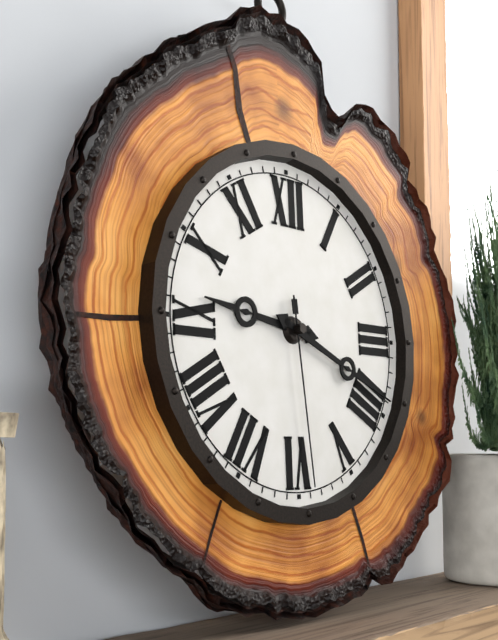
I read 9h19m29s
